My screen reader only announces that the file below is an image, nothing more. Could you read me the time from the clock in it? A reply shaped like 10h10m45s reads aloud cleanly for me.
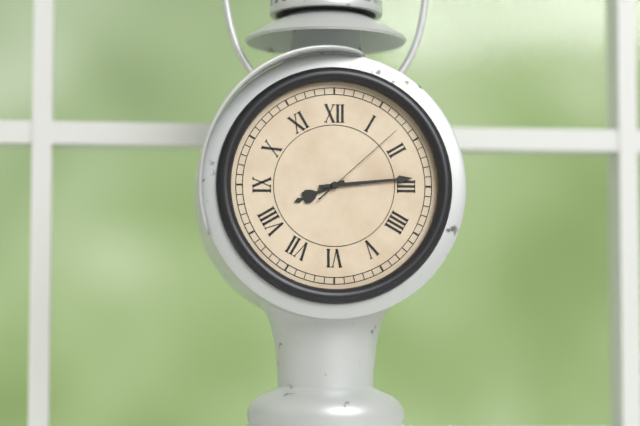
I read 8h14m08s
